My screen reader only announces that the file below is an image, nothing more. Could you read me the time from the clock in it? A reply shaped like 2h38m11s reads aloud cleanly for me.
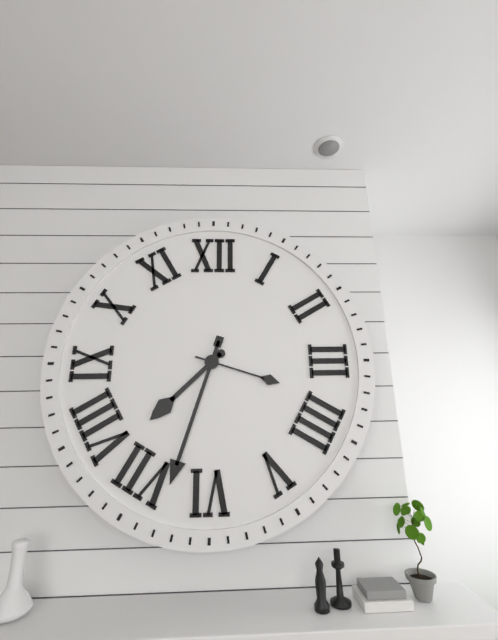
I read 7h33m18s
